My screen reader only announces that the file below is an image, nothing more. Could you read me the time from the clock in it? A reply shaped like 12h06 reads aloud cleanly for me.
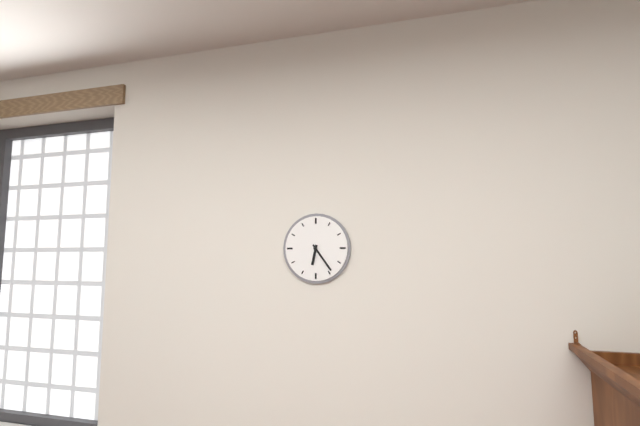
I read 6h24
